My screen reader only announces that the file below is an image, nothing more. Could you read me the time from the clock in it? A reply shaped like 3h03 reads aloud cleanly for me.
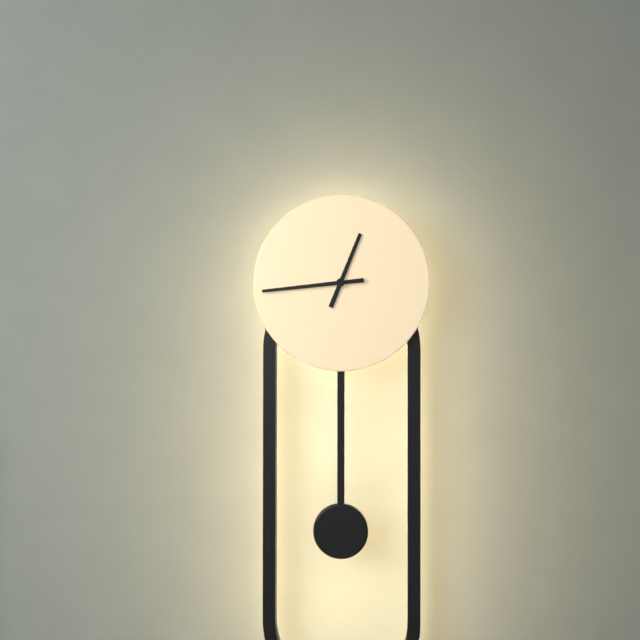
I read 12h44
